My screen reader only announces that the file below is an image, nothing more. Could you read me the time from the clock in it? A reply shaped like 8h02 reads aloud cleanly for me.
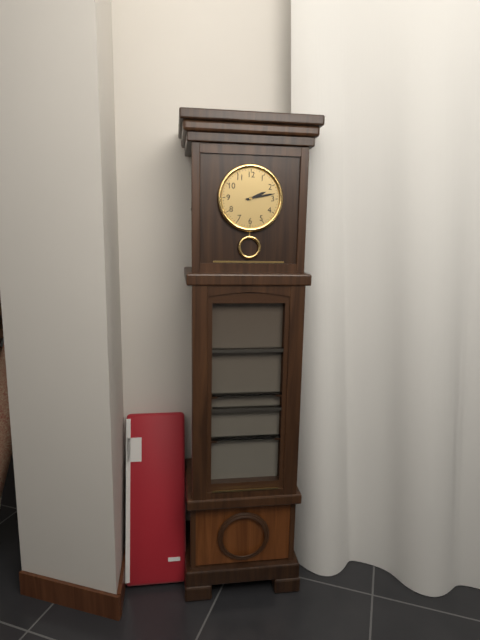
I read 2h13
